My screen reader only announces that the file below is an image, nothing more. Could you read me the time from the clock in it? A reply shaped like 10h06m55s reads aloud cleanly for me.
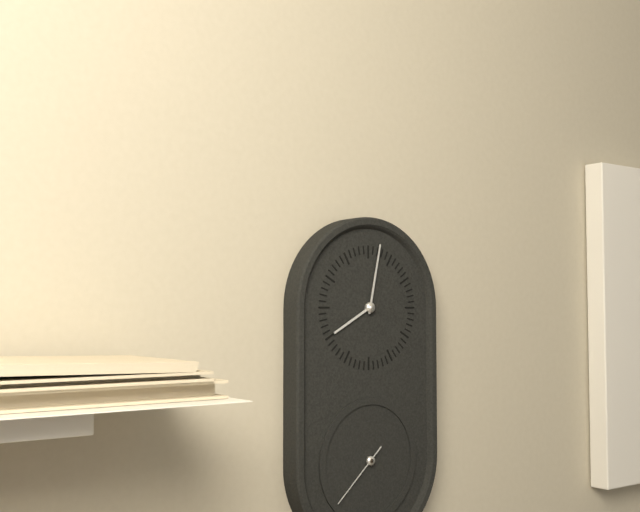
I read 8h02m38s
